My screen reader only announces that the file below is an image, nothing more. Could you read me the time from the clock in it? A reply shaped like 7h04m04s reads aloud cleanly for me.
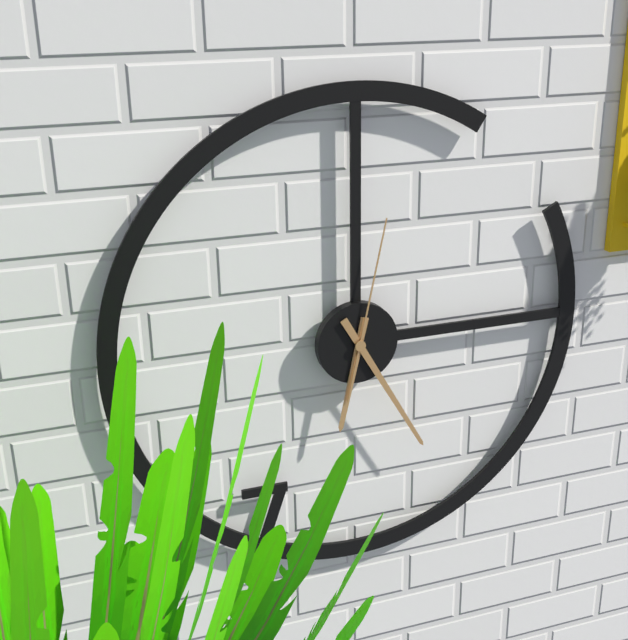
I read 6h25m02s
